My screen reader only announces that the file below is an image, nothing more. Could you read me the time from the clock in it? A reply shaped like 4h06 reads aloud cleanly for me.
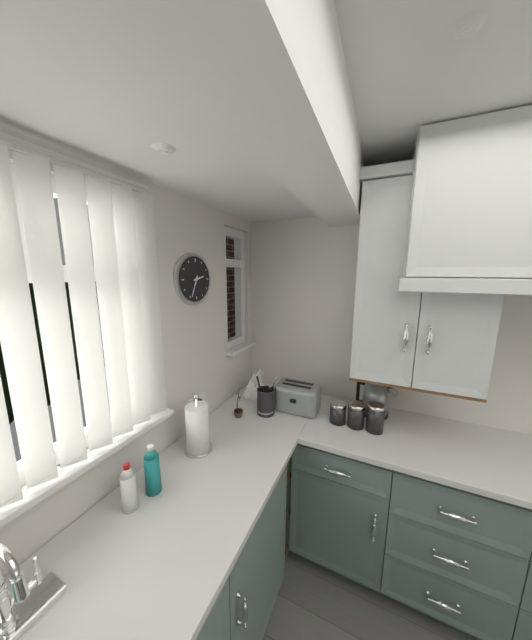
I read 2h34
